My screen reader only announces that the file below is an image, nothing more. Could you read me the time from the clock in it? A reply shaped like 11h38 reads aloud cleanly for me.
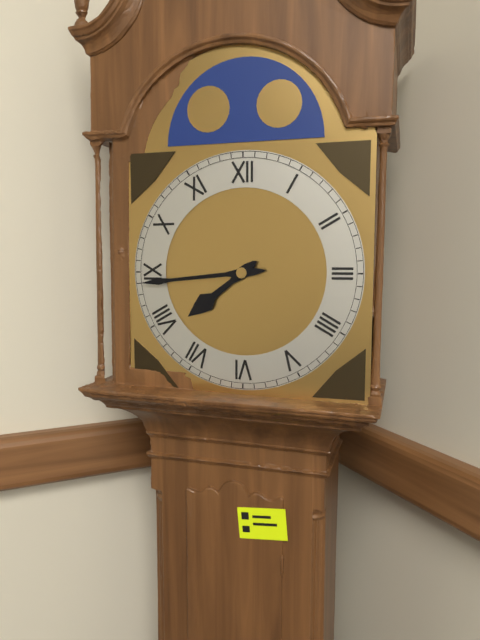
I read 7h44
